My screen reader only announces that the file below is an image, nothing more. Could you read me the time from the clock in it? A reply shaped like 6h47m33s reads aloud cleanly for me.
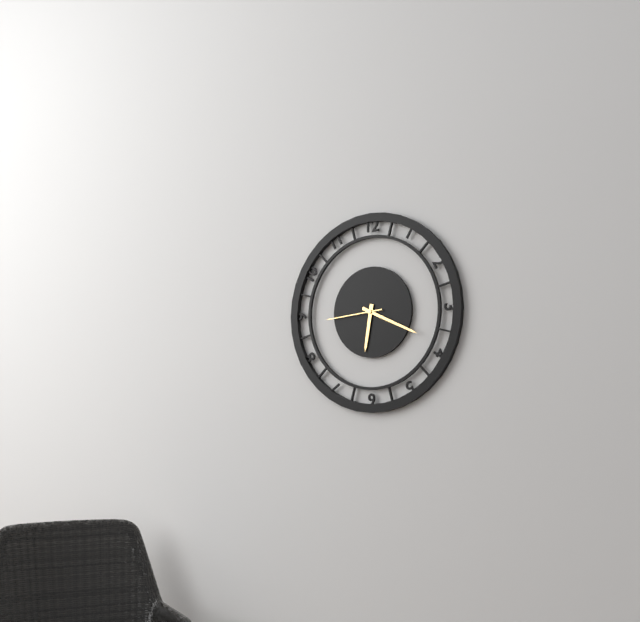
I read 6h19m44s
